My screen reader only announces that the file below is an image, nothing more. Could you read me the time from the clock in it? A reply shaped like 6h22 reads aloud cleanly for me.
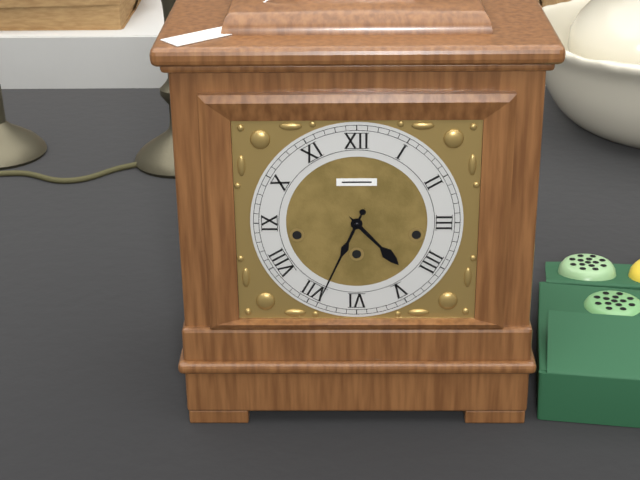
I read 4h34
